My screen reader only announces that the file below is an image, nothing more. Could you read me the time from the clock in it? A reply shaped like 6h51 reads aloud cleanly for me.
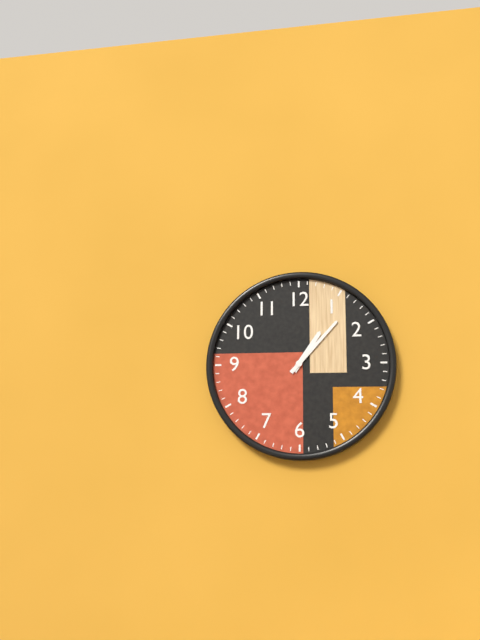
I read 1h07
